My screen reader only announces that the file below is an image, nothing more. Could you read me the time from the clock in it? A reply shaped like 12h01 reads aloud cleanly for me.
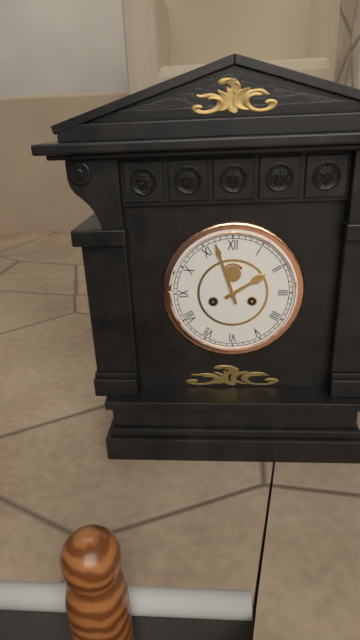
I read 1h57
